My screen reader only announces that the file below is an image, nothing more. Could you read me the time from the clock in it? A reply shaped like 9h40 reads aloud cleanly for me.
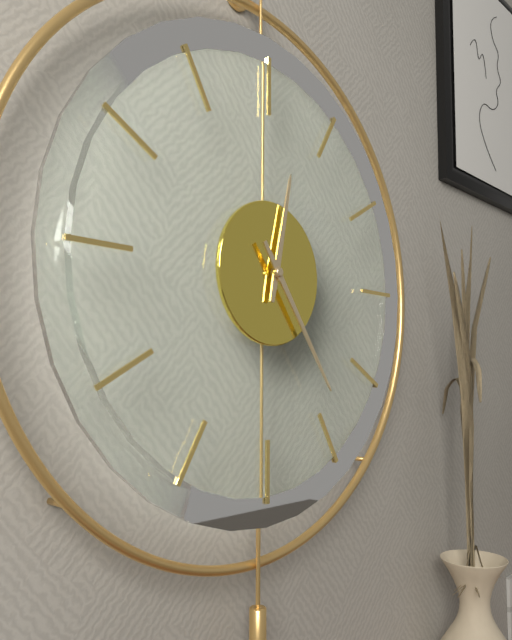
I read 12h24
